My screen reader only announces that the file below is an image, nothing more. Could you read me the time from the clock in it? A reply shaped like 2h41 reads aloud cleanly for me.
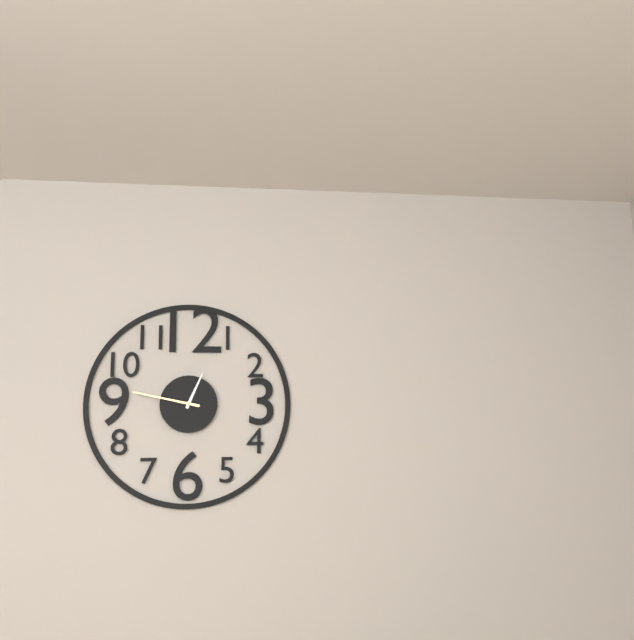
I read 12h47
